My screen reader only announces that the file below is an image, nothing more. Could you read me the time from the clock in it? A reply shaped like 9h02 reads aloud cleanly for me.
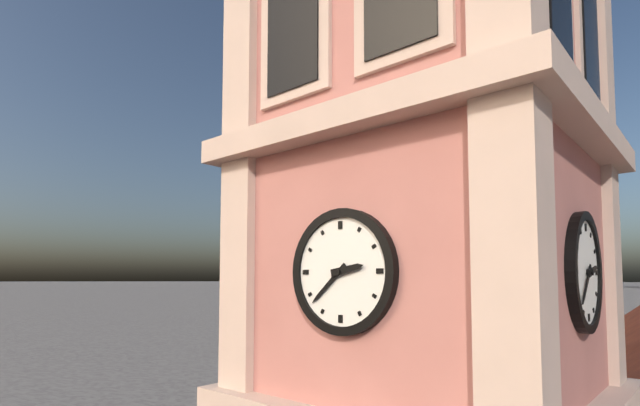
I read 2h38
